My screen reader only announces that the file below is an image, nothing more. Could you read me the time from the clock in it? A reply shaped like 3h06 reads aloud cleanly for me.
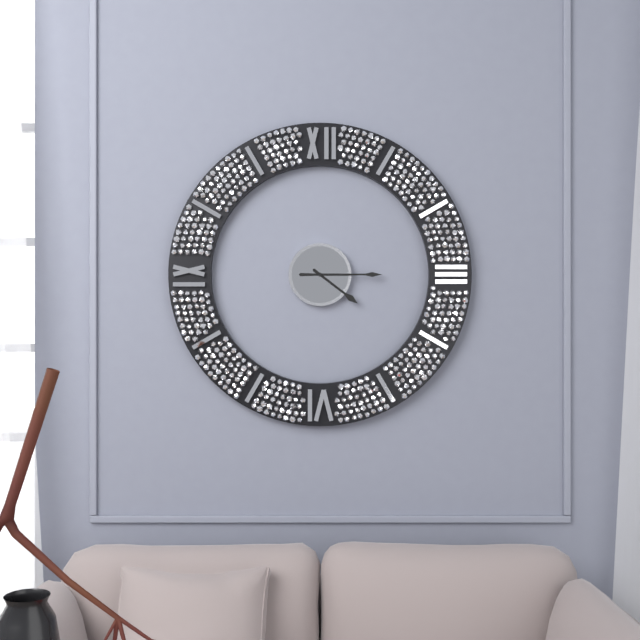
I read 4h15
